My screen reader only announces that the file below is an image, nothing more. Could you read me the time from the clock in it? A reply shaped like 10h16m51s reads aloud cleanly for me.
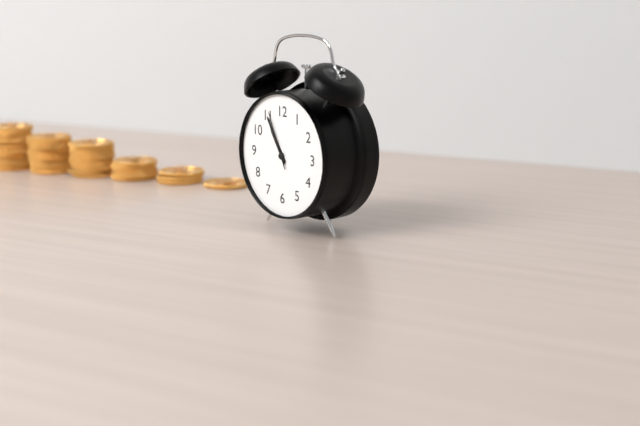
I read 10h55m56s
